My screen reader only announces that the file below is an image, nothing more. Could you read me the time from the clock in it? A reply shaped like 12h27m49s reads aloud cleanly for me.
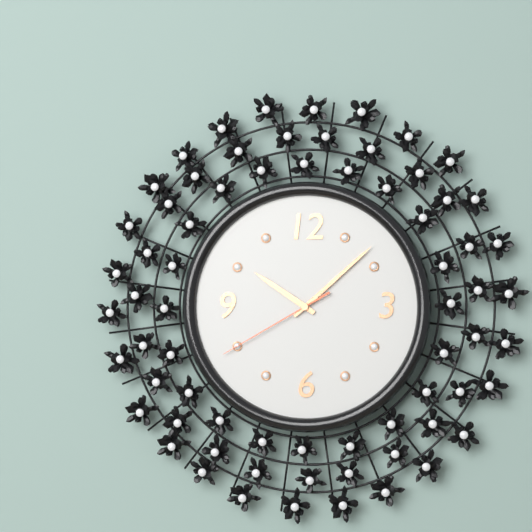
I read 10h08m40s
